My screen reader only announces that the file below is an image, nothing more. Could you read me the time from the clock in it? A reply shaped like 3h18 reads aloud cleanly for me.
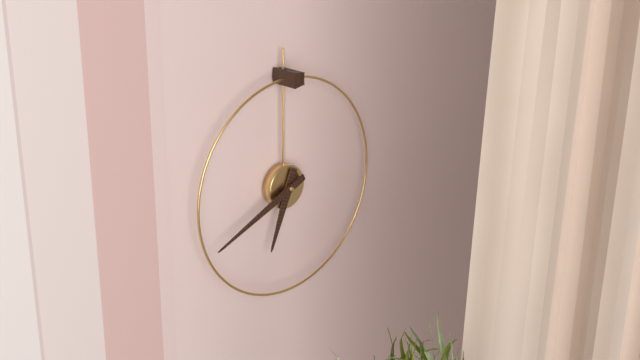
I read 6h41
